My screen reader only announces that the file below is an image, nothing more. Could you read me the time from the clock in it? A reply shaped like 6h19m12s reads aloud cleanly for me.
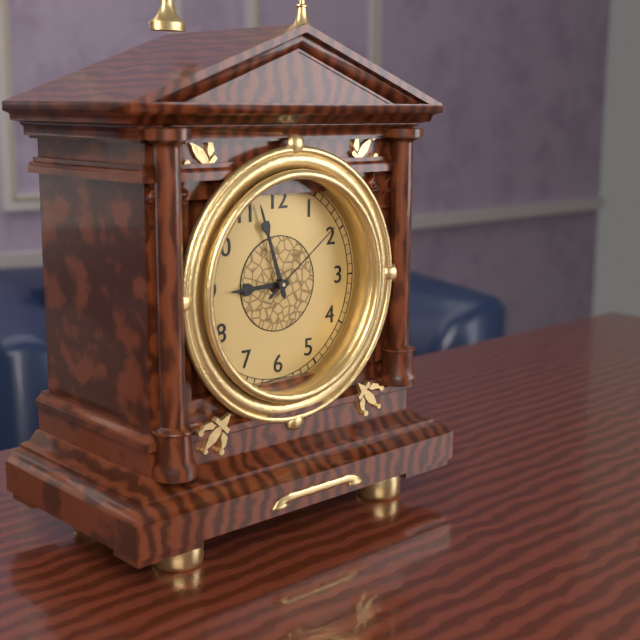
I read 8h57m09s
